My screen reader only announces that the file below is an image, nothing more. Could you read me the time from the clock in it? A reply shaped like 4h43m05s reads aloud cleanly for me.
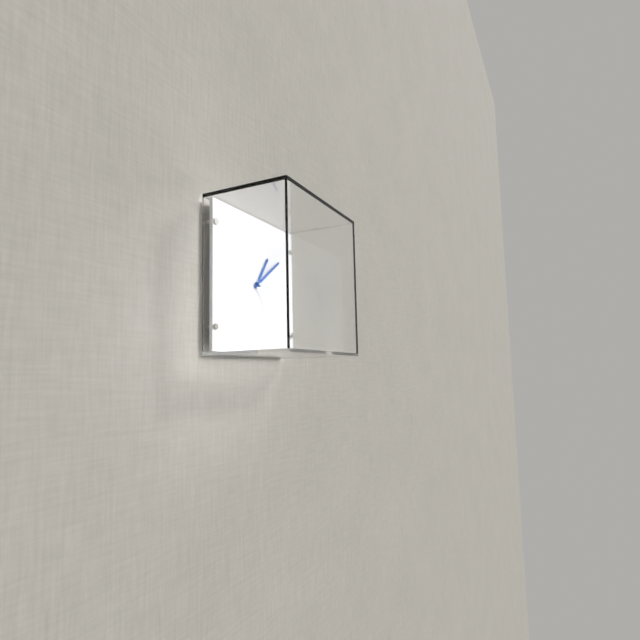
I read 1h09m24s
